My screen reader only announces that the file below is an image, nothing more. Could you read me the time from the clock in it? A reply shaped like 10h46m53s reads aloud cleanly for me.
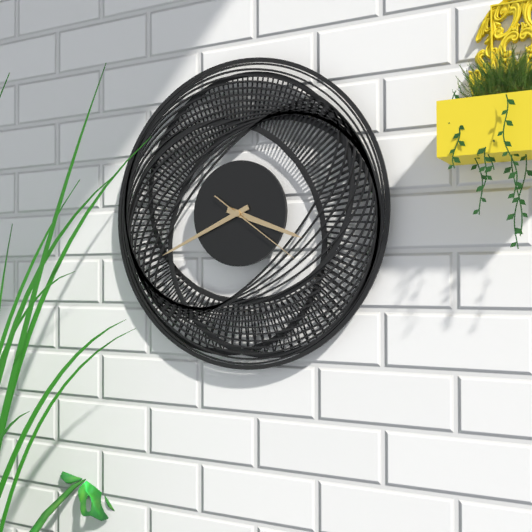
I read 3h41m21s
